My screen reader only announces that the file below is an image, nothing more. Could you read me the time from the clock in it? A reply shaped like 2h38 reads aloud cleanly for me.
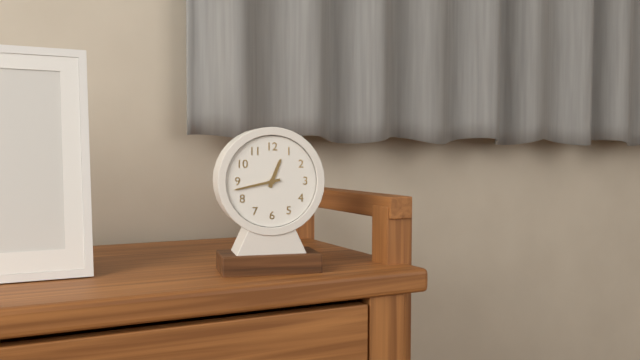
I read 12h43
